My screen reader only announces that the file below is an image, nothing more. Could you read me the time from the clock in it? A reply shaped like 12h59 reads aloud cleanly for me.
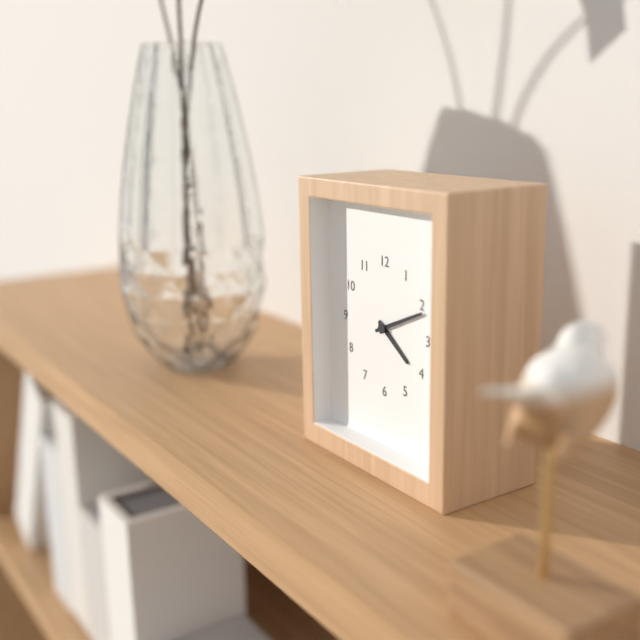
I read 4h11
